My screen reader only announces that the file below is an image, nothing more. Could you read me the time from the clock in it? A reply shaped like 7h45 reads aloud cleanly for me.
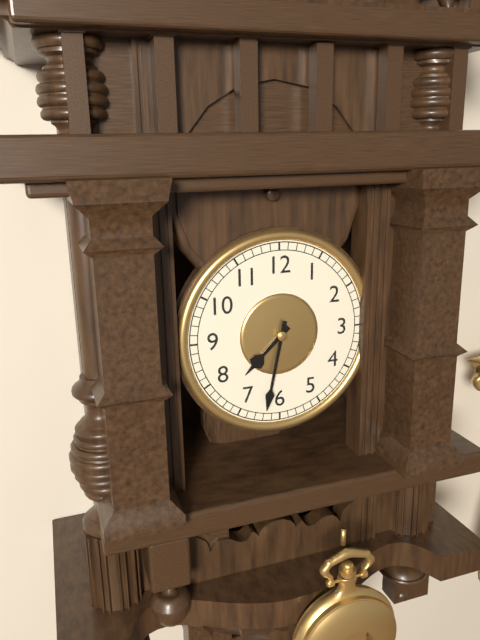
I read 7h32
